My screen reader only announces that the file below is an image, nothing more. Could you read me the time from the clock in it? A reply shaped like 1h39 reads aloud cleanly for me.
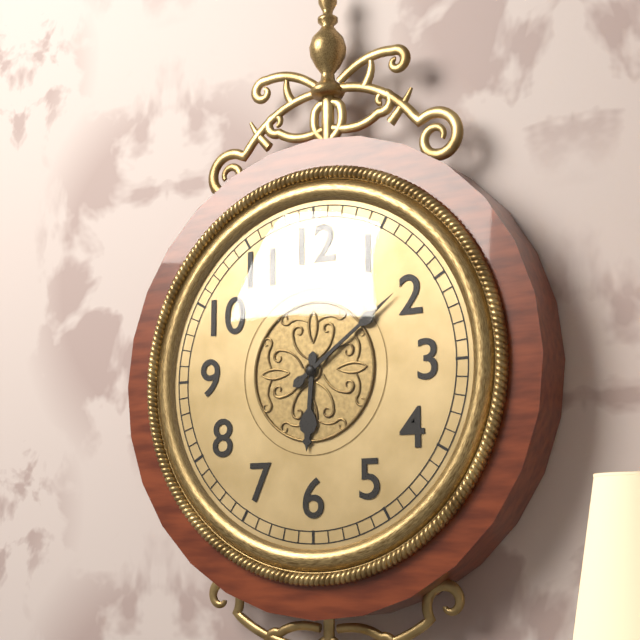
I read 6h09
